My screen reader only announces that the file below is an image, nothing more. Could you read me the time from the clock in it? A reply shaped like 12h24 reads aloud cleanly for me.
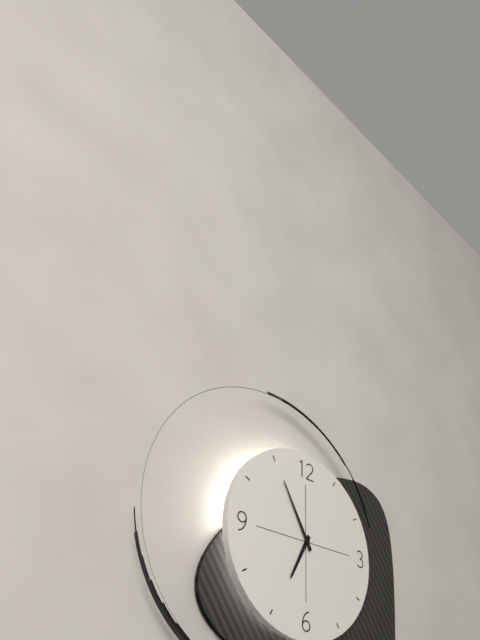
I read 6h55
